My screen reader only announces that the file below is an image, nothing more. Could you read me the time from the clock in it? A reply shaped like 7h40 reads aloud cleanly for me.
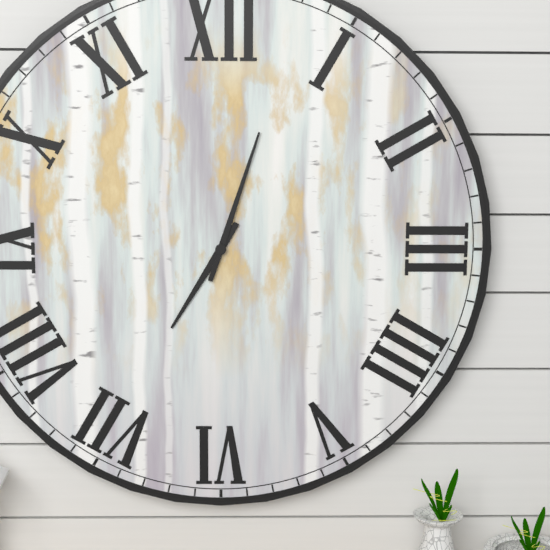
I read 7h03
